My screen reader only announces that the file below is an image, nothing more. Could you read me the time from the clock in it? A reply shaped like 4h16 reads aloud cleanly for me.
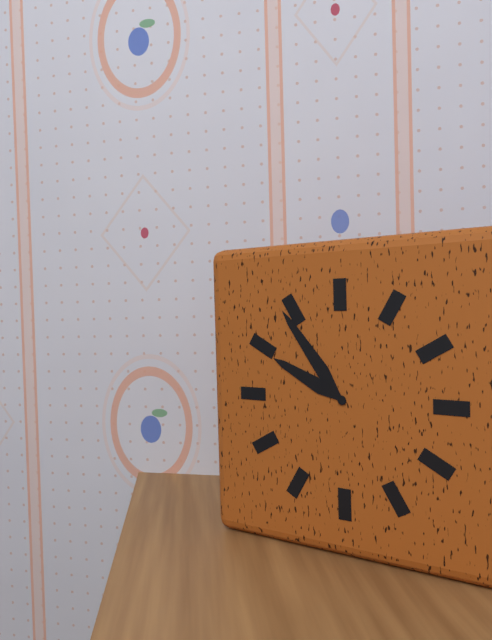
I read 9h54
